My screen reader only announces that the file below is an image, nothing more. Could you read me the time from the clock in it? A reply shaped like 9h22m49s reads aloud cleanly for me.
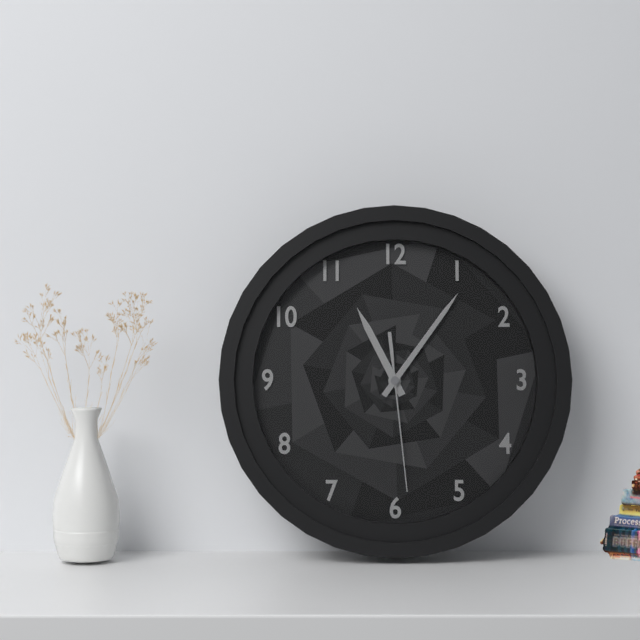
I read 11h06m29s
